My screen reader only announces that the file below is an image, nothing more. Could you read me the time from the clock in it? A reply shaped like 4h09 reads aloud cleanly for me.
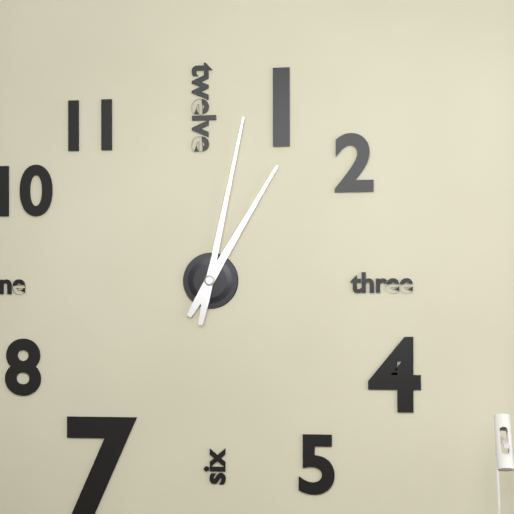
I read 1h02
